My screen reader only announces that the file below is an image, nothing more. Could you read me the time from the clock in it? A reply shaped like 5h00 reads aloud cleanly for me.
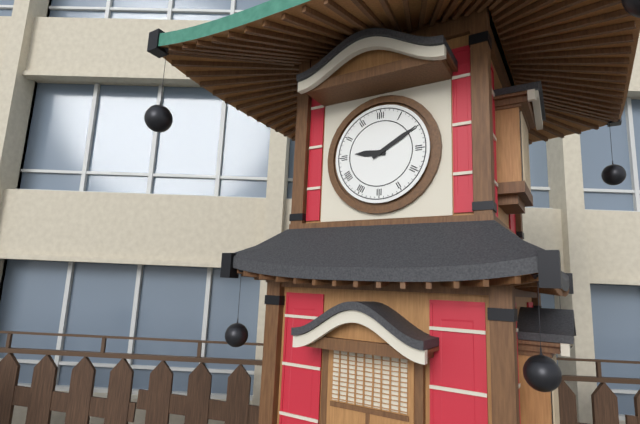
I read 9h10
